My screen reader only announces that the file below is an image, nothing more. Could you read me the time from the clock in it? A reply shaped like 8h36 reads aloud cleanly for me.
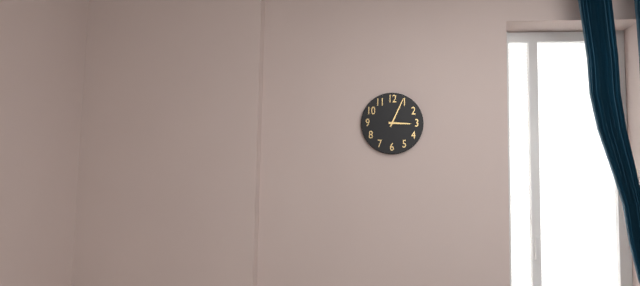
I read 3h04
